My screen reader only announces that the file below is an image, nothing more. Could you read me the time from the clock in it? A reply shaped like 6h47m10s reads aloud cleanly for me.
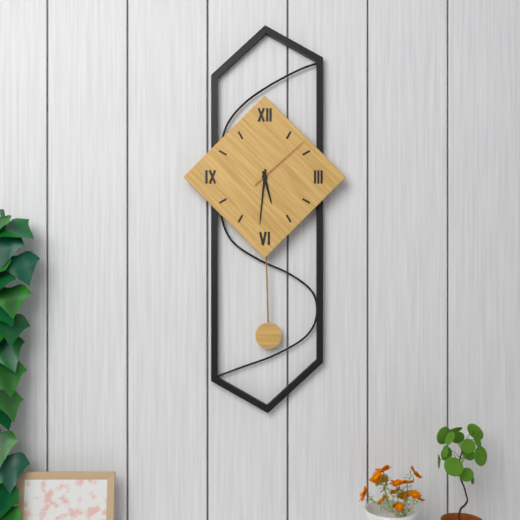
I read 5h31m08s
